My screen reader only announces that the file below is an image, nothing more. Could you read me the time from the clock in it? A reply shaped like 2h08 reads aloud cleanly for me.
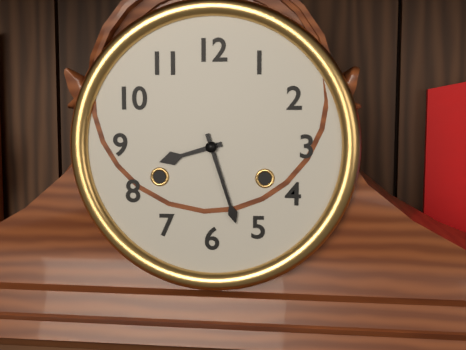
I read 8h27
